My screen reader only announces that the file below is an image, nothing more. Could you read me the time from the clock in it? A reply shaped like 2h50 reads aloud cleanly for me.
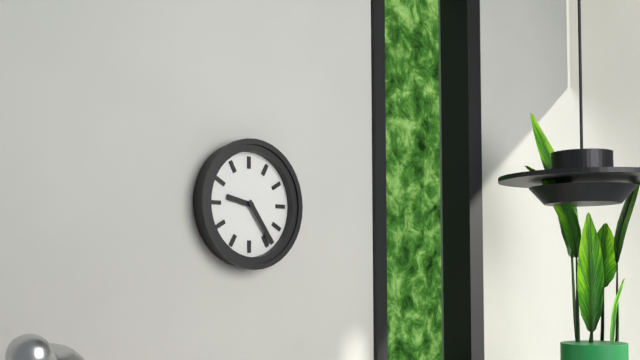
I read 9h24
